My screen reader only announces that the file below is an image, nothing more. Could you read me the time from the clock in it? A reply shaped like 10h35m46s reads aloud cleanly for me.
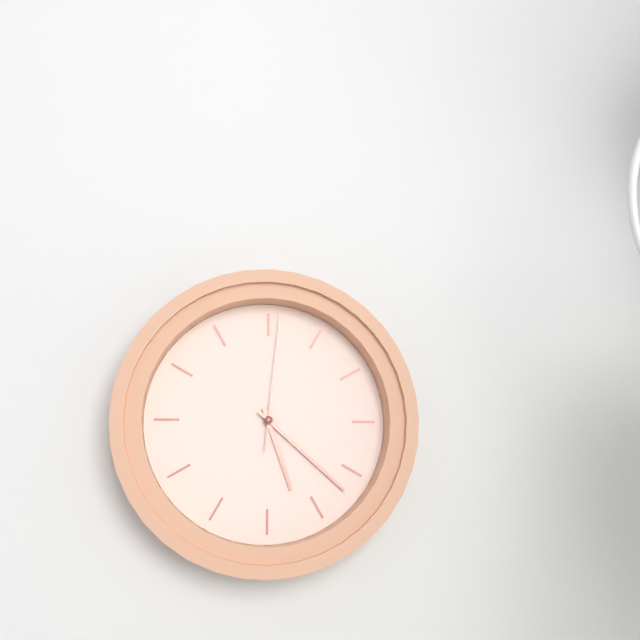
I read 5h22m01s
